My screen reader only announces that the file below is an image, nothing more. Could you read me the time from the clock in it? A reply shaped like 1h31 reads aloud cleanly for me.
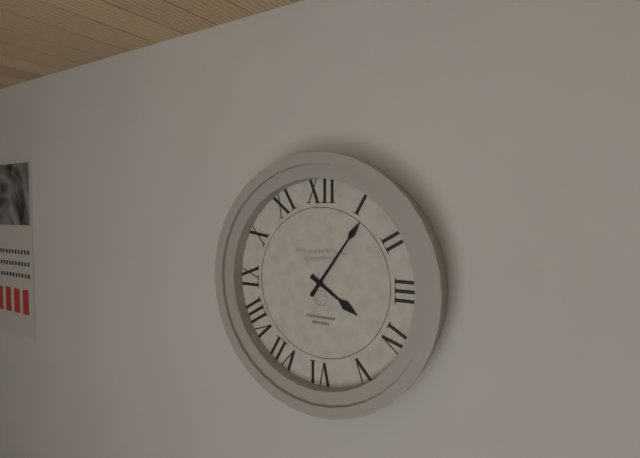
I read 4h06
